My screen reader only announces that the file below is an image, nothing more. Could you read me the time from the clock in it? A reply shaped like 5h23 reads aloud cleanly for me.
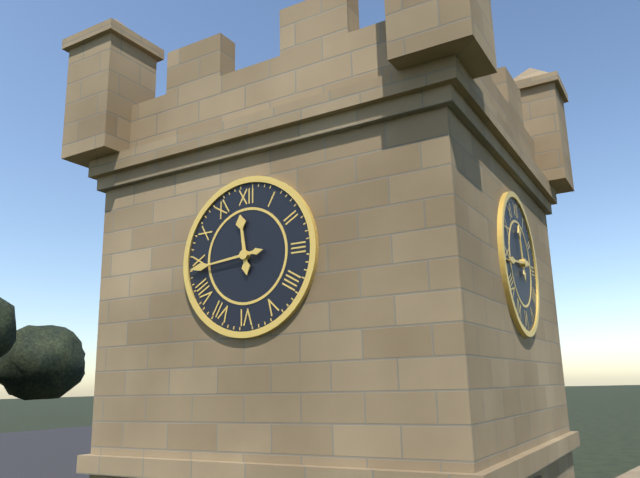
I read 11h44
